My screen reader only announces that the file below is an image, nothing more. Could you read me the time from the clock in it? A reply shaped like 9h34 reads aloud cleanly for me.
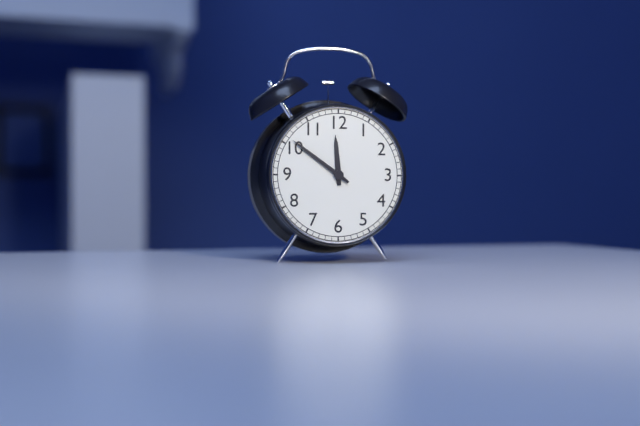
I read 11h51
